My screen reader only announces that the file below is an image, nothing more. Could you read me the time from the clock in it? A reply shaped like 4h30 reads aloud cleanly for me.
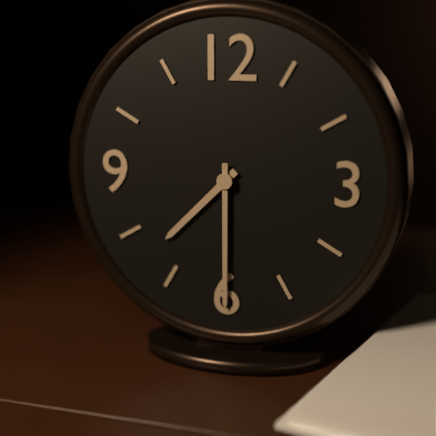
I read 7h30
